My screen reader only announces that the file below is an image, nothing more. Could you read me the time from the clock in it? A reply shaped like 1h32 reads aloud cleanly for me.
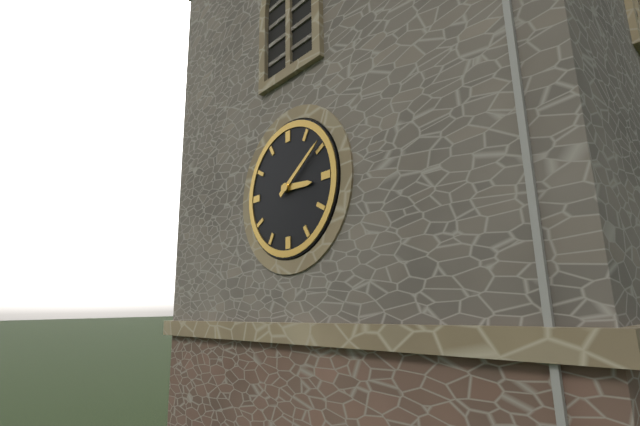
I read 3h09
